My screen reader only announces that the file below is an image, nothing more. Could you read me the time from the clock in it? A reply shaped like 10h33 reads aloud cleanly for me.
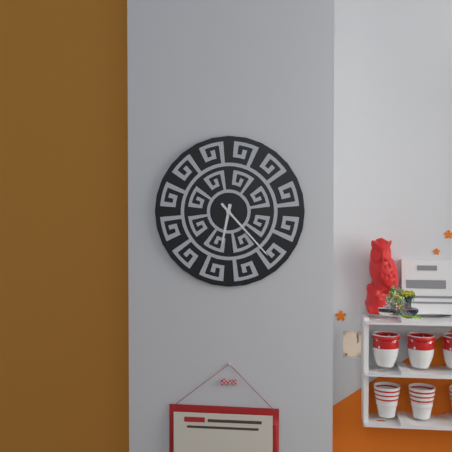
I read 6h23
